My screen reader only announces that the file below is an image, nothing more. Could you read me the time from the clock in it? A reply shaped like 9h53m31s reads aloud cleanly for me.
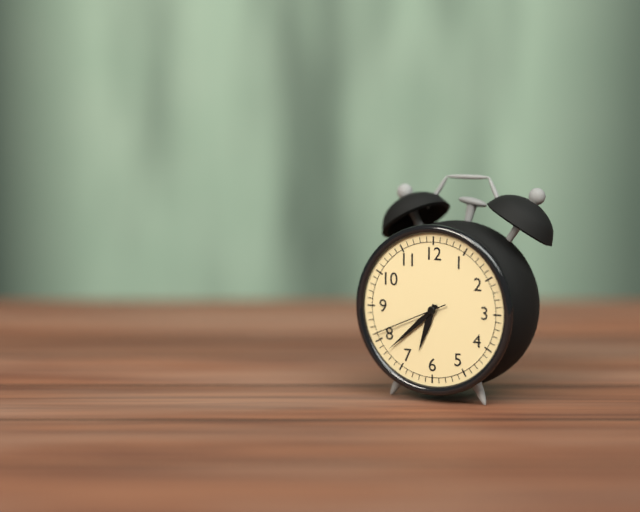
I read 6h38m41s
